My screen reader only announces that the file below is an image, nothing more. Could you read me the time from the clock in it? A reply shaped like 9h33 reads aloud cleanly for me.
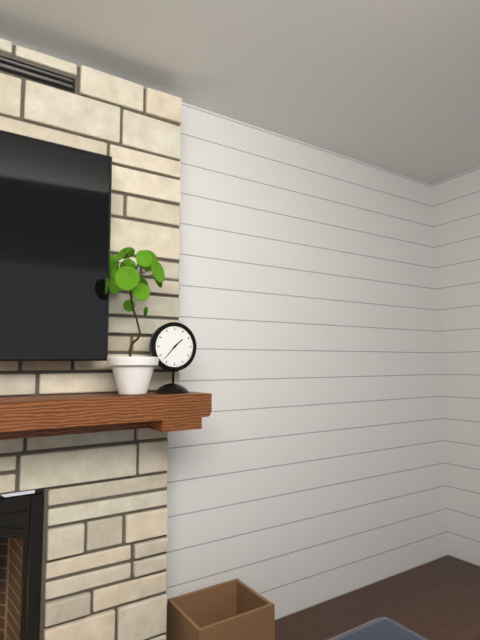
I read 1h37
